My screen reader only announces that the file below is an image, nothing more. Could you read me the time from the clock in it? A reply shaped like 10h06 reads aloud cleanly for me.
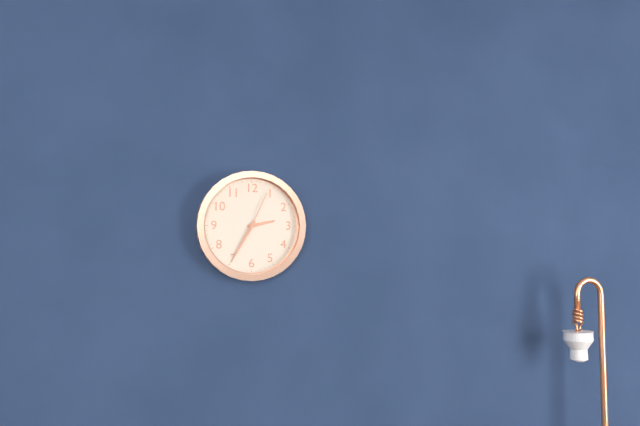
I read 2h35
